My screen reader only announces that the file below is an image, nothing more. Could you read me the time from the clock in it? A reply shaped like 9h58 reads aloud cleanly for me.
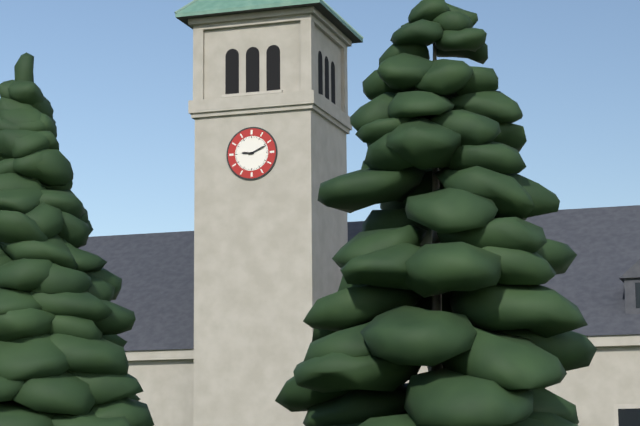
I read 9h11
